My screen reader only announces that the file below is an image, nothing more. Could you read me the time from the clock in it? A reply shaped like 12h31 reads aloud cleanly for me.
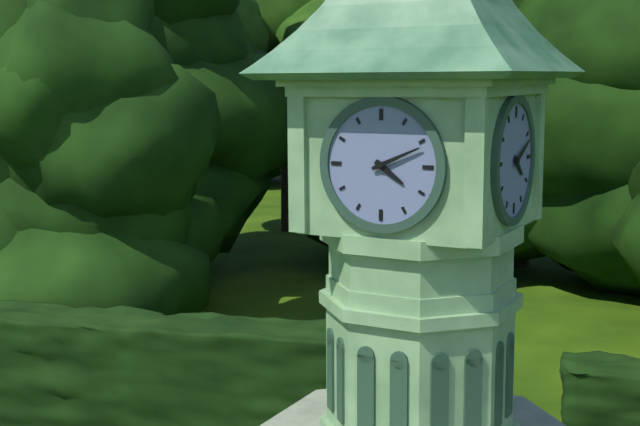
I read 4h11
